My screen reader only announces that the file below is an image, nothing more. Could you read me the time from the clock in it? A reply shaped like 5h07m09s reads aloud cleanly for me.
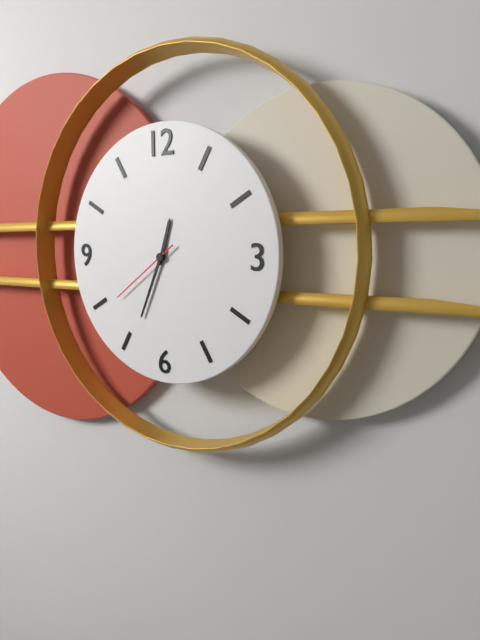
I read 12h34m39s
